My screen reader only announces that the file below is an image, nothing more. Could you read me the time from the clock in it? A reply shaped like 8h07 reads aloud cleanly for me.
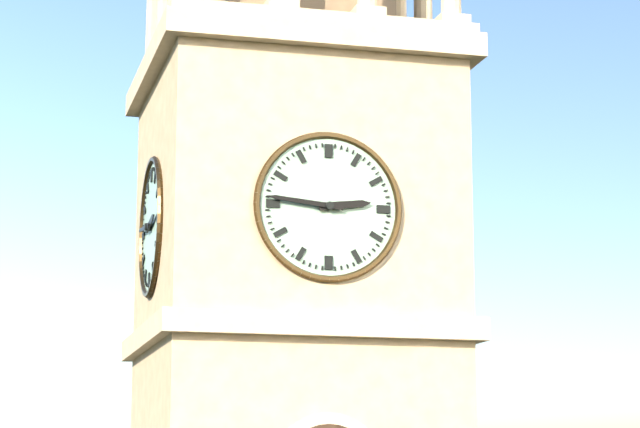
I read 2h46
